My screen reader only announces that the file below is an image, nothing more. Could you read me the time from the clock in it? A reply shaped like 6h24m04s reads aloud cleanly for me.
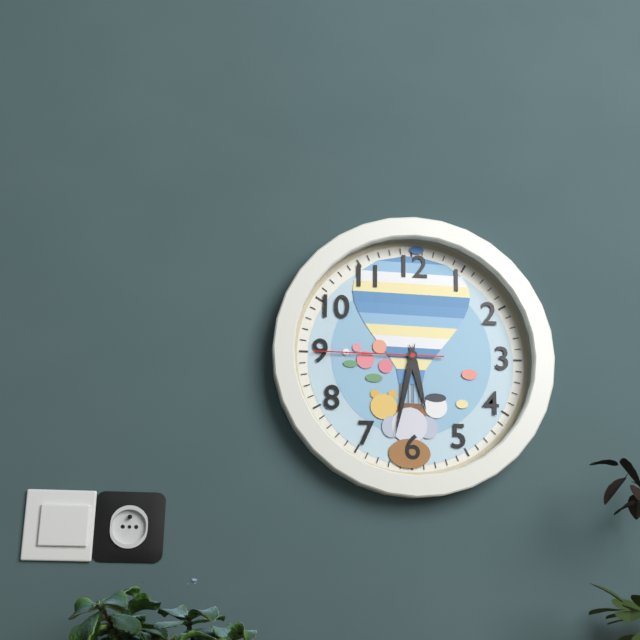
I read 5h32m45s
